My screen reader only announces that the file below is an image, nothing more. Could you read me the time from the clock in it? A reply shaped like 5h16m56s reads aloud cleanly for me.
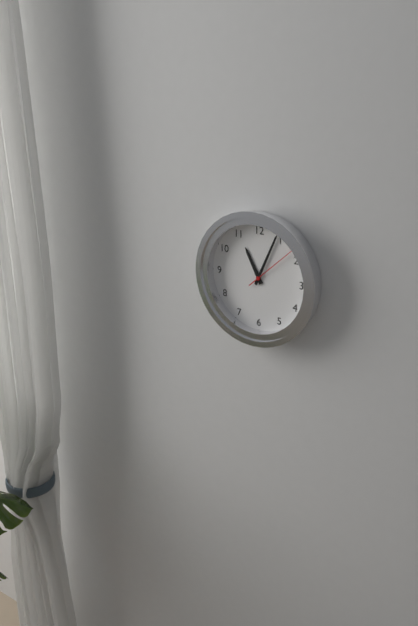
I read 11h04m08s
